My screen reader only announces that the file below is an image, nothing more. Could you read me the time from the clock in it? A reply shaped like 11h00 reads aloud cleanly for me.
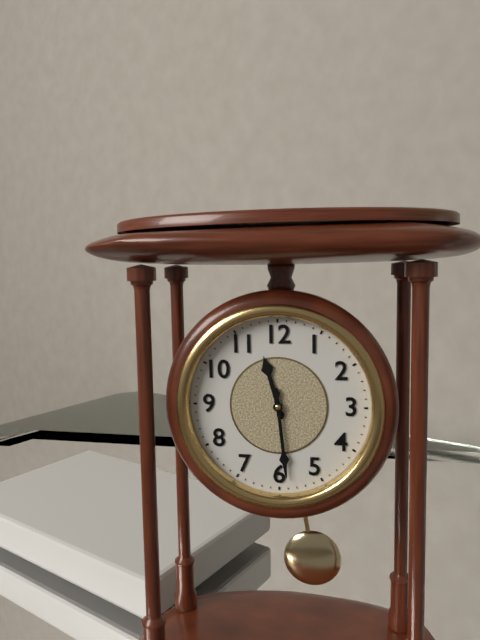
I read 11h29
